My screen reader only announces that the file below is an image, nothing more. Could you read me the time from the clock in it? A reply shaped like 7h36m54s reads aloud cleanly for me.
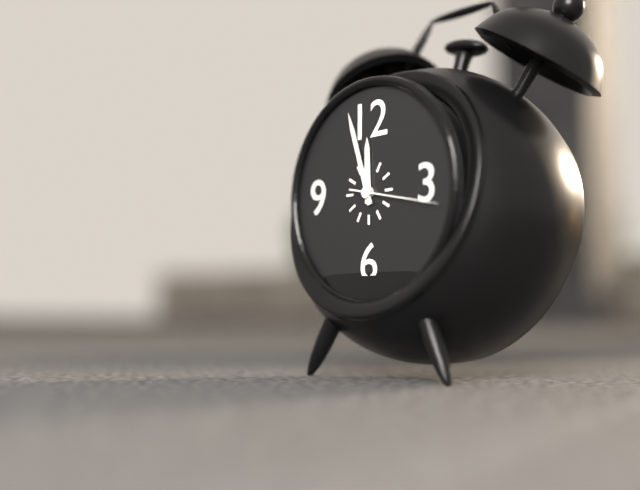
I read 11h57m17s
